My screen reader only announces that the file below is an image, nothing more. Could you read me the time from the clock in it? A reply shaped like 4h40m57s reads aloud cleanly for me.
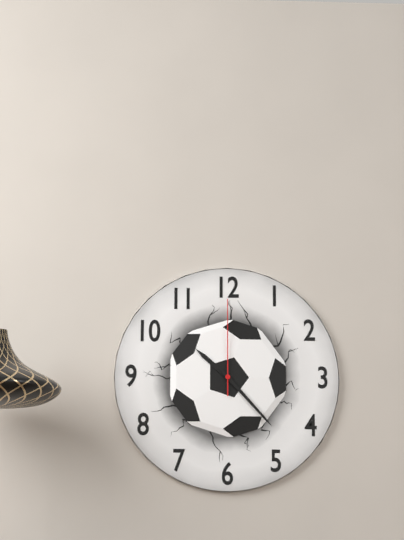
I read 10h23m00s
